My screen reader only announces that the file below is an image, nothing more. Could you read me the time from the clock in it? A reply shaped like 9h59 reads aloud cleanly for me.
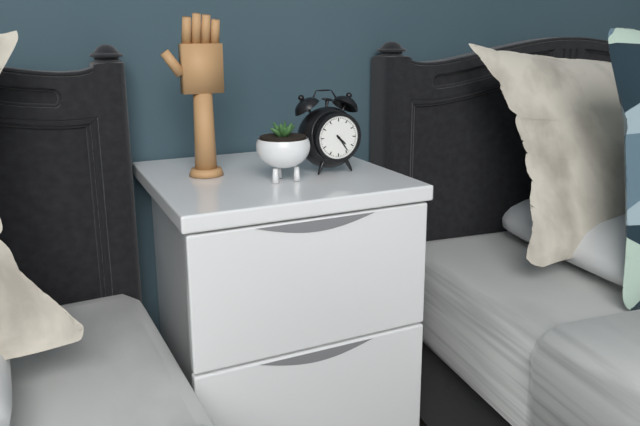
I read 4h24
